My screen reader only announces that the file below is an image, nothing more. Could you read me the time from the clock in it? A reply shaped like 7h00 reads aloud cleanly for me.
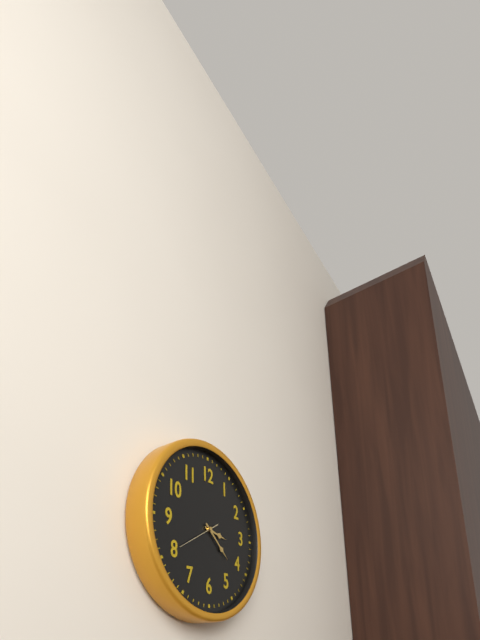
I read 3h22
